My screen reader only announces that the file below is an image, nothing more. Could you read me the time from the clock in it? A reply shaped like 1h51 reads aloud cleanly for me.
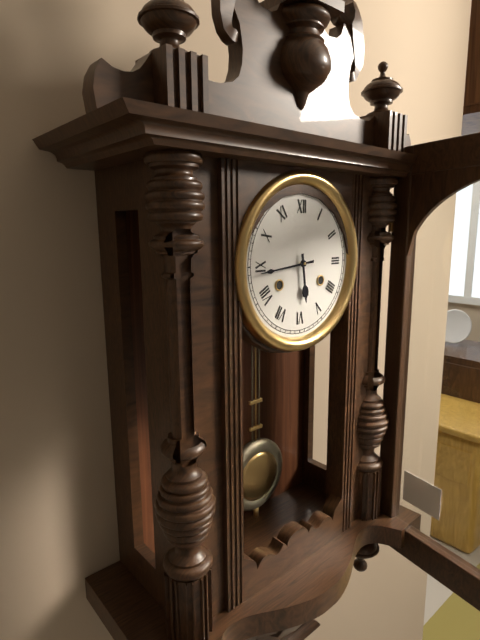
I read 5h44
